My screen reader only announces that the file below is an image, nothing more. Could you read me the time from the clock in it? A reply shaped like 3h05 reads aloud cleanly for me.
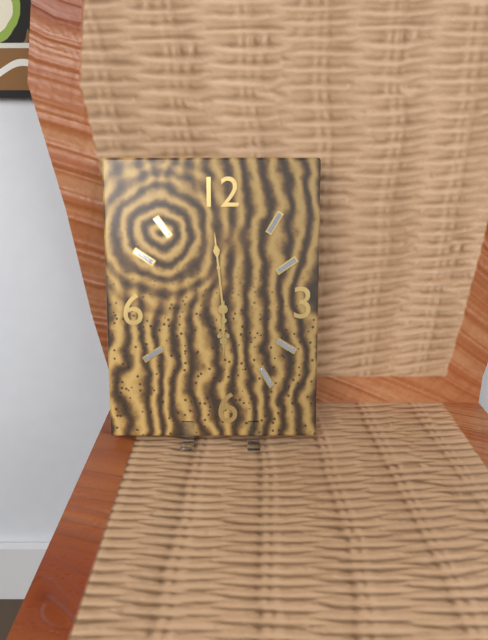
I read 5h59
